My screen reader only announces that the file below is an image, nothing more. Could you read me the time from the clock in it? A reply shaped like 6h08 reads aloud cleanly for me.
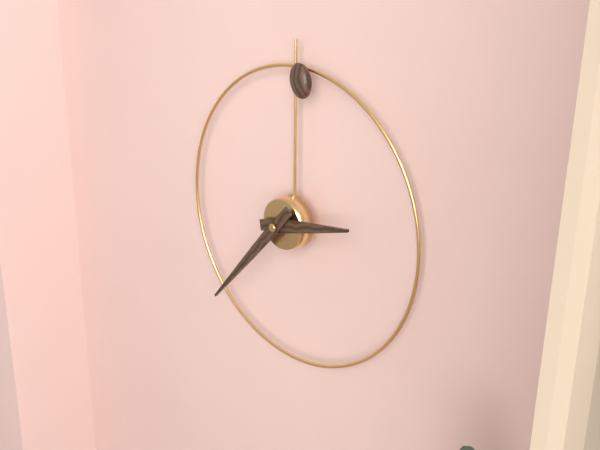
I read 2h37
